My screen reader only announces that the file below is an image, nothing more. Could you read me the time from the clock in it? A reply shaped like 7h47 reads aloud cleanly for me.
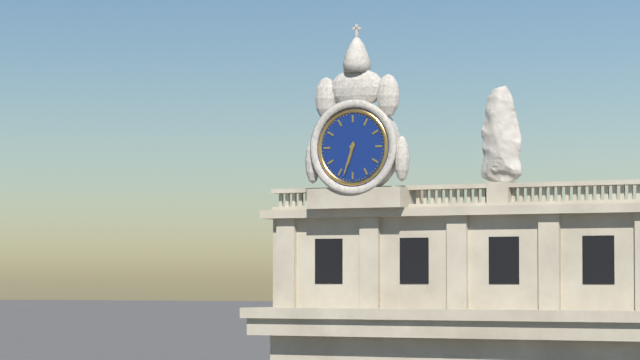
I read 6h33
